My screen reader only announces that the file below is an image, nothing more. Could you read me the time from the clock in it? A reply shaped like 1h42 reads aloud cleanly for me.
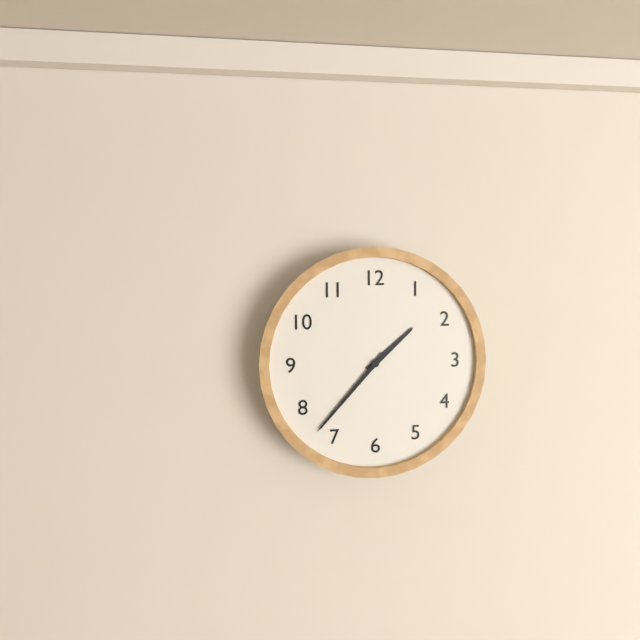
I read 1h37
